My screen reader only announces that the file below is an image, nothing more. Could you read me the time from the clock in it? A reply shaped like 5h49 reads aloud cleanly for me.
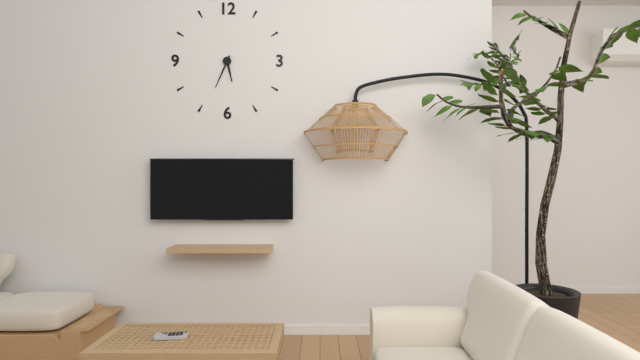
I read 5h34
